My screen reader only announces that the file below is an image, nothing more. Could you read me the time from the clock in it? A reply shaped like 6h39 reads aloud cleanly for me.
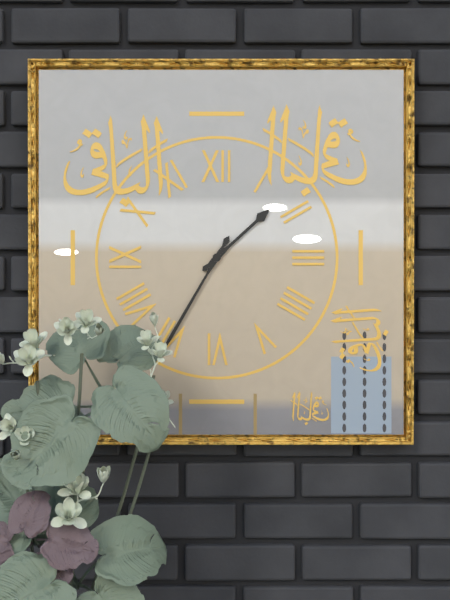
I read 1h35
